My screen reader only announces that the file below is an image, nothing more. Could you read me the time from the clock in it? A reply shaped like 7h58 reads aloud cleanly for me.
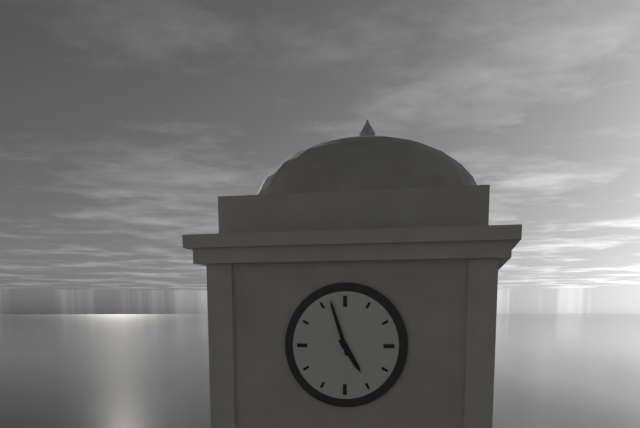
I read 4h57
